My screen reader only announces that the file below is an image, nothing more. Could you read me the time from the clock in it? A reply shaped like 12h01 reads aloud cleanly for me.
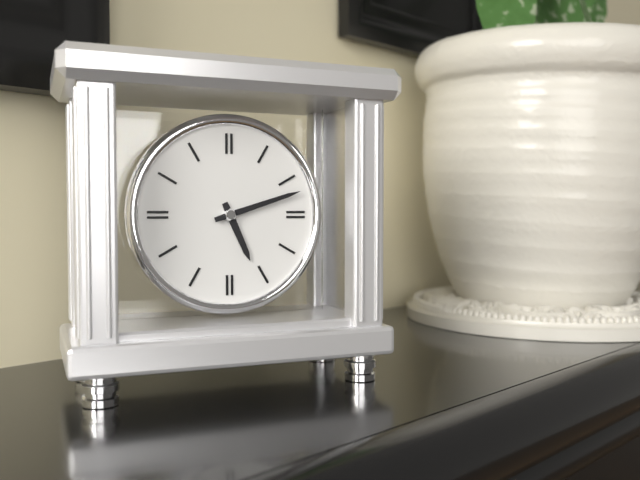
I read 5h12
